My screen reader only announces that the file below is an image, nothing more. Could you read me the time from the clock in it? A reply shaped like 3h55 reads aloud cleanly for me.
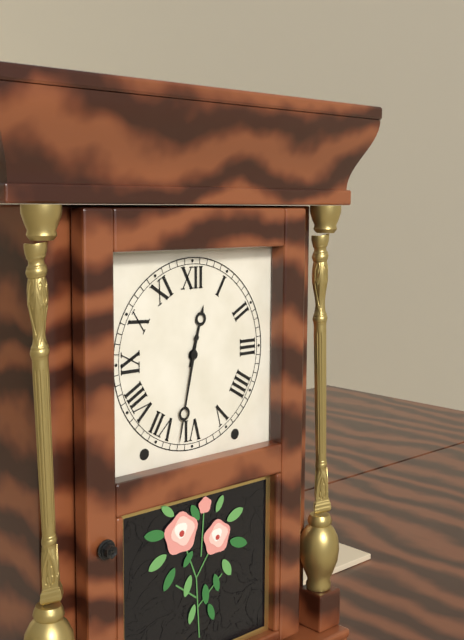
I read 12h32
